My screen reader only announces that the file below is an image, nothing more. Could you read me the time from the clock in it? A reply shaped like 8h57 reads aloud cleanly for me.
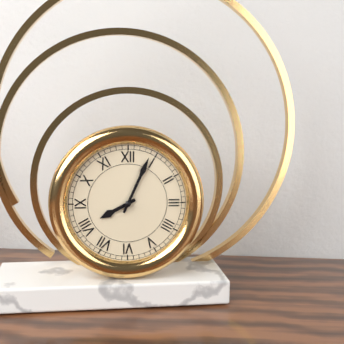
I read 8h04
